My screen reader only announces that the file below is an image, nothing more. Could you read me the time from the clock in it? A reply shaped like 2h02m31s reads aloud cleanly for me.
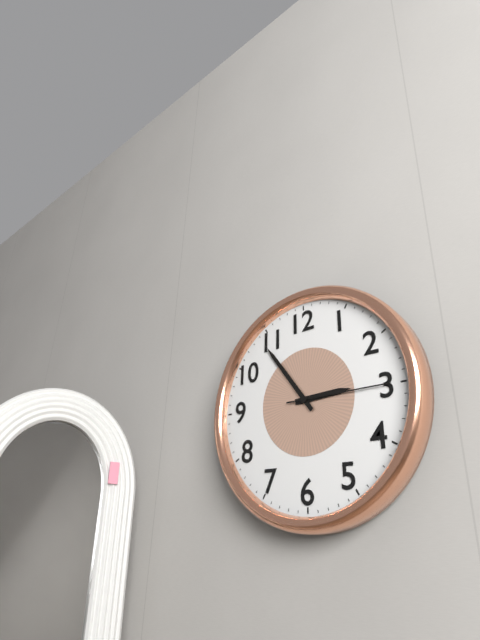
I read 2h54m15s
